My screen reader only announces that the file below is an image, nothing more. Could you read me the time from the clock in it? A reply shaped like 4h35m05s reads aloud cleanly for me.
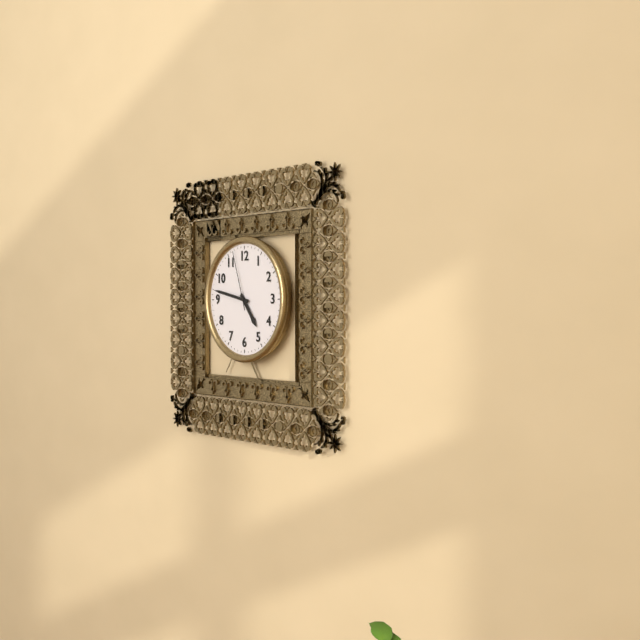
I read 4h47m57s
